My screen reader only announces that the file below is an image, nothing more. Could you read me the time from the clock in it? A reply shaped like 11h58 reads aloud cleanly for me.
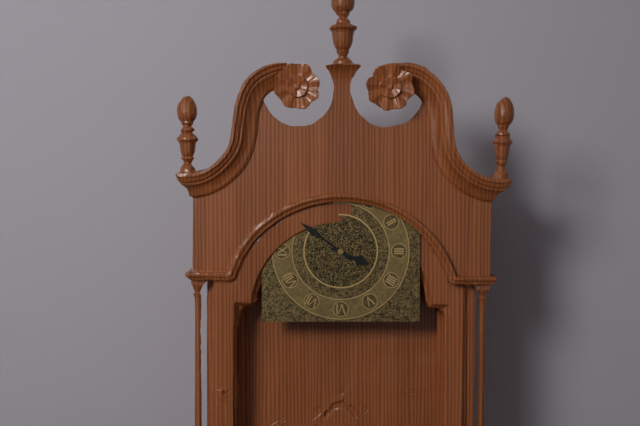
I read 3h51
